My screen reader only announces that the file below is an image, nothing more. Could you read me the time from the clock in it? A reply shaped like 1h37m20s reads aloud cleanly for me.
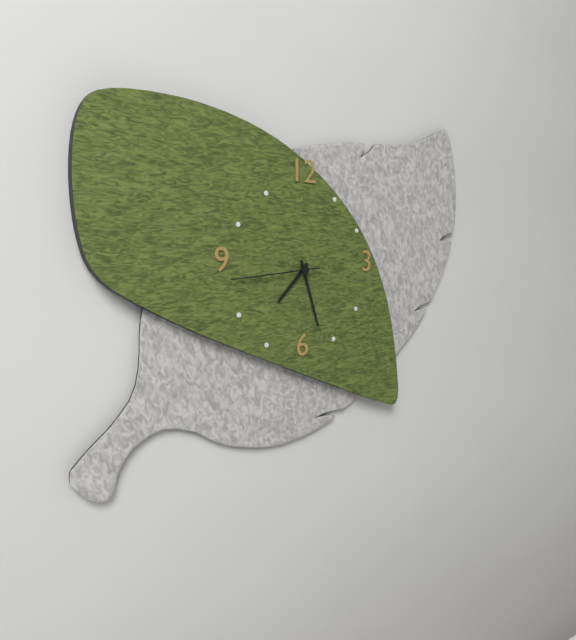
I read 7h27m44s
